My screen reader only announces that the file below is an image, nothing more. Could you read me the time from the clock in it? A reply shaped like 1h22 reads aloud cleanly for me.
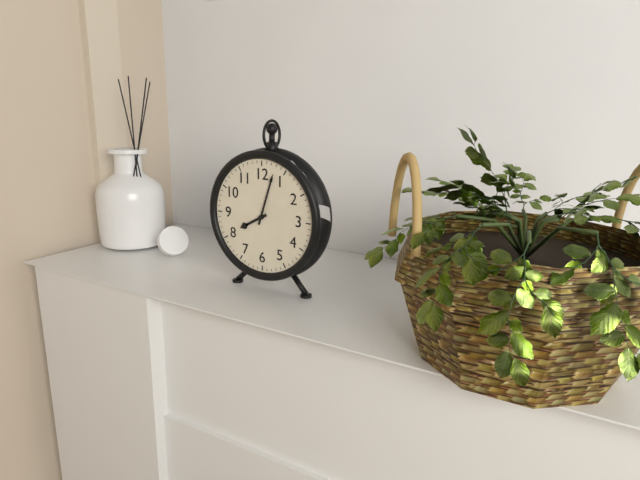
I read 8h03
